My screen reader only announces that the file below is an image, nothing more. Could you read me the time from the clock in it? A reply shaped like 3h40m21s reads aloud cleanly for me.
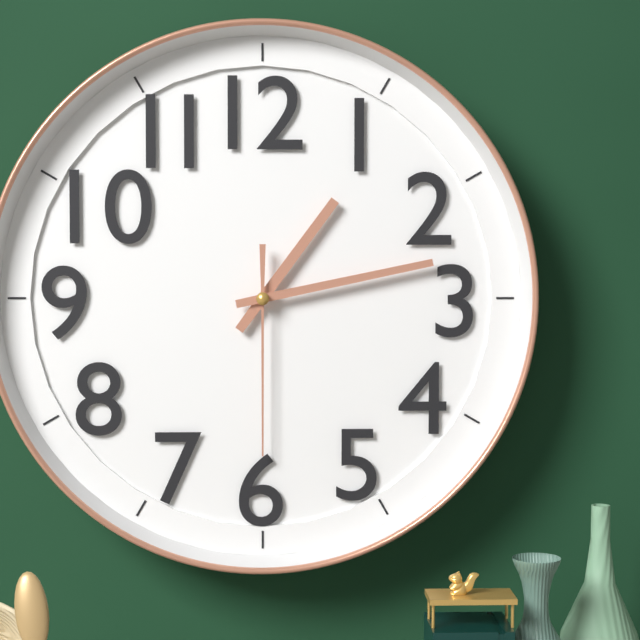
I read 1h13m30s
